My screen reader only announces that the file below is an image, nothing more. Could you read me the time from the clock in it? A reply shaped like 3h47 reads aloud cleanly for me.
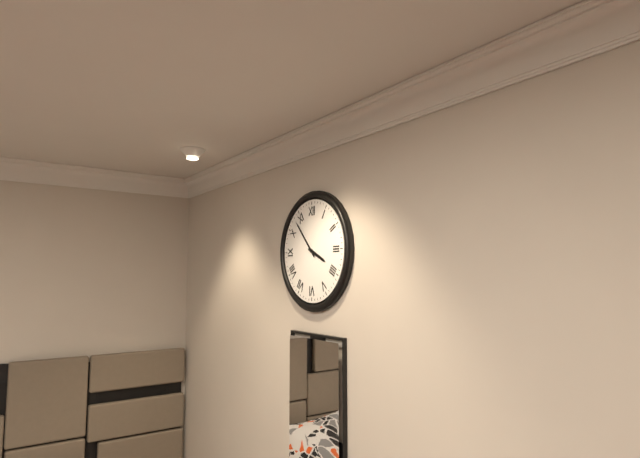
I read 3h53
